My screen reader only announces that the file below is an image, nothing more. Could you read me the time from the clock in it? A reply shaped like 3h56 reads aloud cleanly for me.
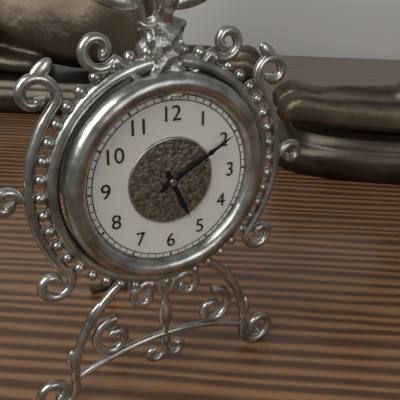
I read 5h10
